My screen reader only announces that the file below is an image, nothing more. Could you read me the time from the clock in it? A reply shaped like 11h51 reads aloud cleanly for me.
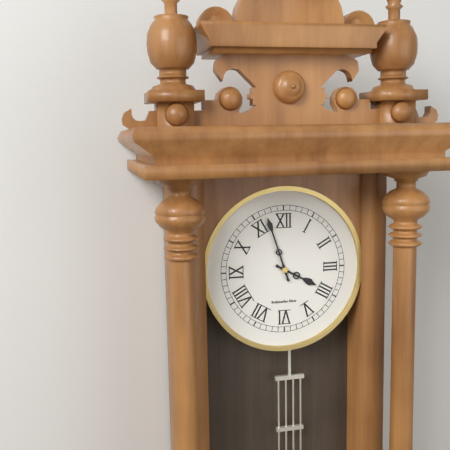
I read 3h57
